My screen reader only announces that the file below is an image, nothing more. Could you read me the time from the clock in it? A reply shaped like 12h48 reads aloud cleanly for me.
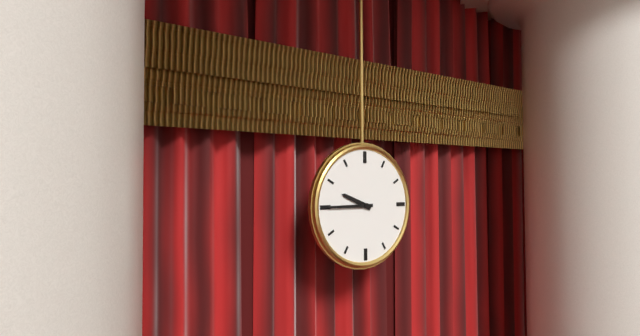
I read 9h45
